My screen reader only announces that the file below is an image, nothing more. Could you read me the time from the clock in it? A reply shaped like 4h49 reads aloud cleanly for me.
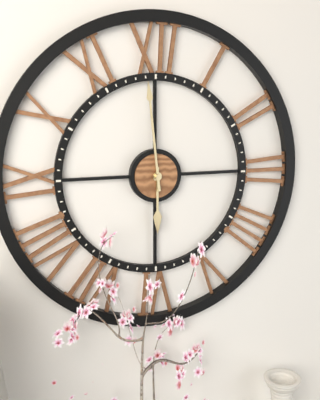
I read 5h59
